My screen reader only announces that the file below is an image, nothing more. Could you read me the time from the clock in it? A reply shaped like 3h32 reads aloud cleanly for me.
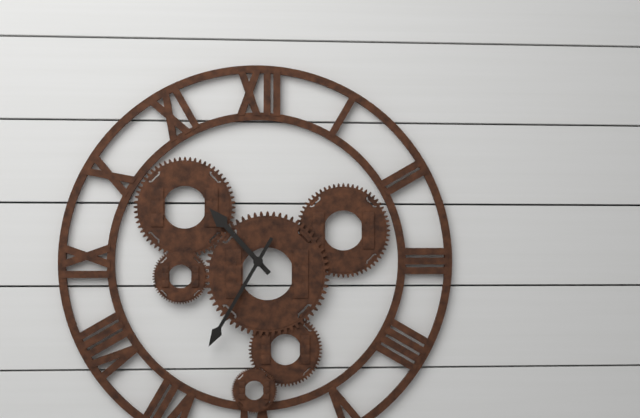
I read 10h35
